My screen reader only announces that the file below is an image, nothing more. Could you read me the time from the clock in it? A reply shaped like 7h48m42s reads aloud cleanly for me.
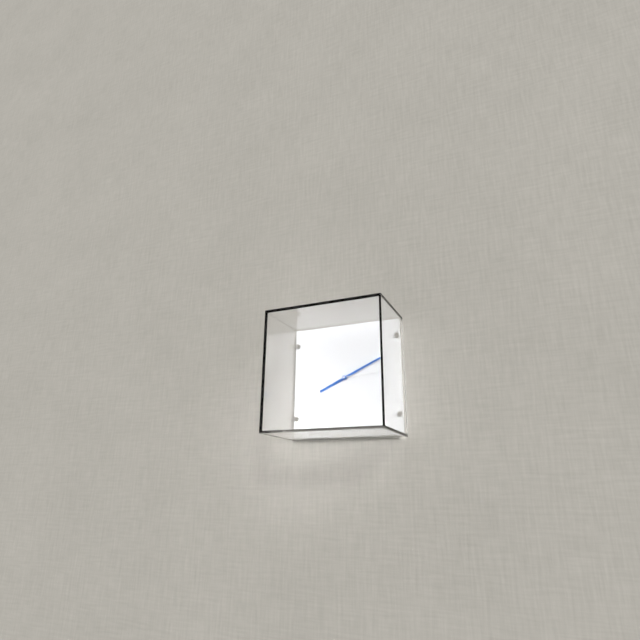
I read 8h11m14s
